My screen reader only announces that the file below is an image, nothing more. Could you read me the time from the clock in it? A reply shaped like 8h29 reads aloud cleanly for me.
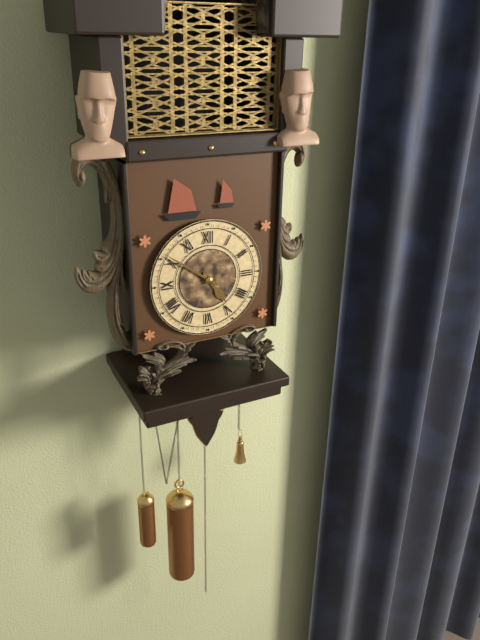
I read 4h51
